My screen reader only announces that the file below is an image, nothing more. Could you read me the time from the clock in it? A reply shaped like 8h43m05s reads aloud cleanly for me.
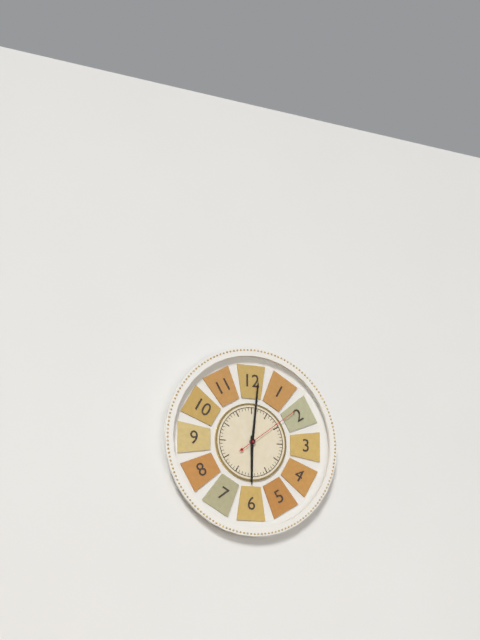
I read 6h01m09s
